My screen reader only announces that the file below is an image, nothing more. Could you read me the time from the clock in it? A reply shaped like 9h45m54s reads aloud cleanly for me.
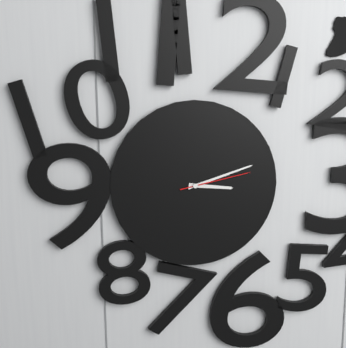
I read 3h12m13s
